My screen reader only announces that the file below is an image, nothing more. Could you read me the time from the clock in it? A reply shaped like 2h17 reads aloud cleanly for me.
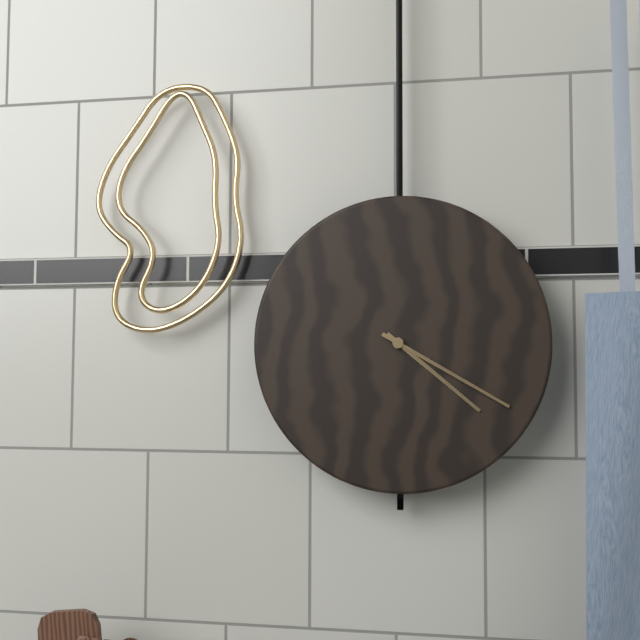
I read 4h20
